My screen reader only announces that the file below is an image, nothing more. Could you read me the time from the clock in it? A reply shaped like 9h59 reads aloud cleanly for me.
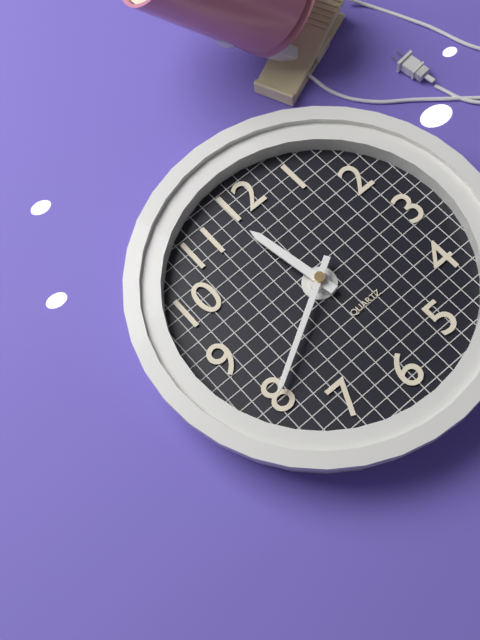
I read 11h40
